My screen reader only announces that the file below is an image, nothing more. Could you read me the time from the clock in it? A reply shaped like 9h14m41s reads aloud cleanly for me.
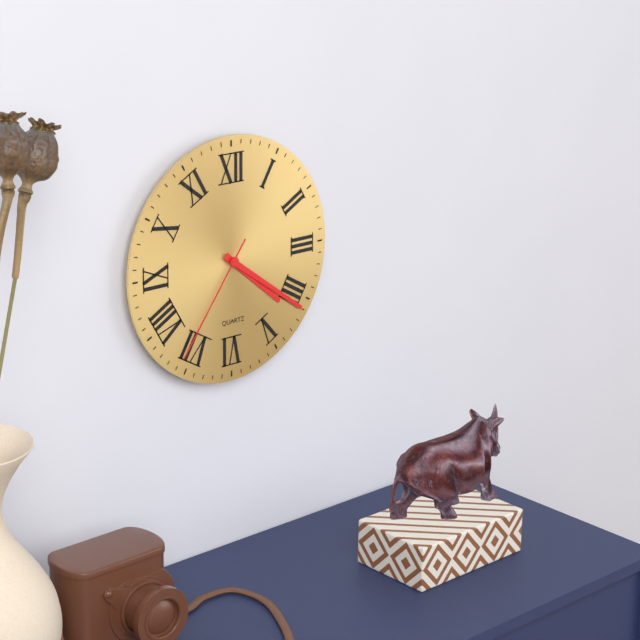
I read 4h21m36s
